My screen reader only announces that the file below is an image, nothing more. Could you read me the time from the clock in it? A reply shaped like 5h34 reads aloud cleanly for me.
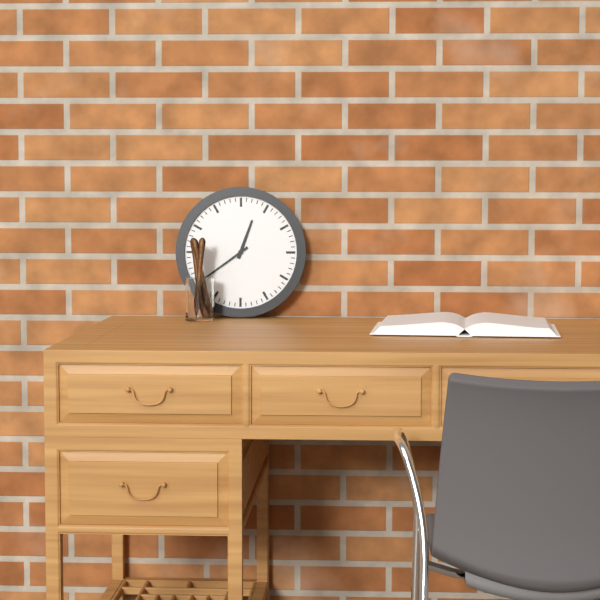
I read 12h39
